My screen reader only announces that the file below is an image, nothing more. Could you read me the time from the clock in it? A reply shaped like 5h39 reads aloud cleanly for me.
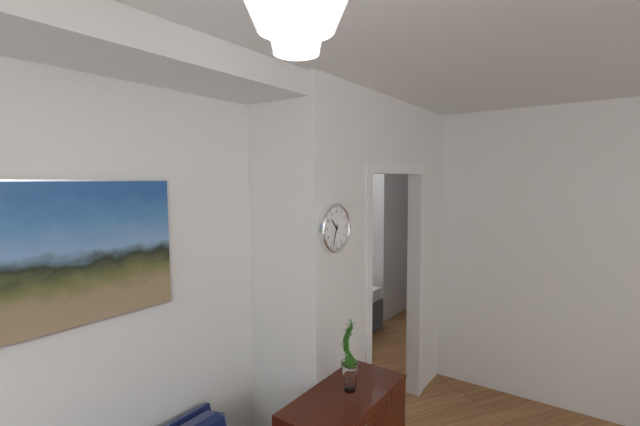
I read 10h33
